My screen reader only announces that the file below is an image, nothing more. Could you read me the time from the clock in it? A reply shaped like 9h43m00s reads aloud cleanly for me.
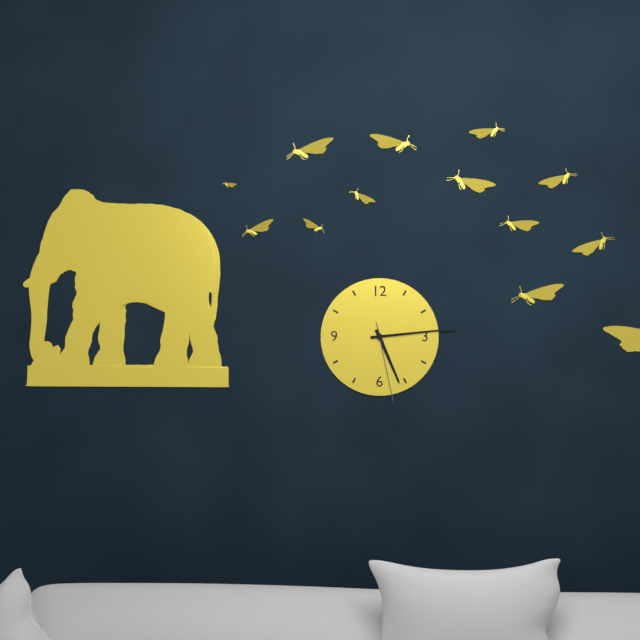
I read 5h14m28s
